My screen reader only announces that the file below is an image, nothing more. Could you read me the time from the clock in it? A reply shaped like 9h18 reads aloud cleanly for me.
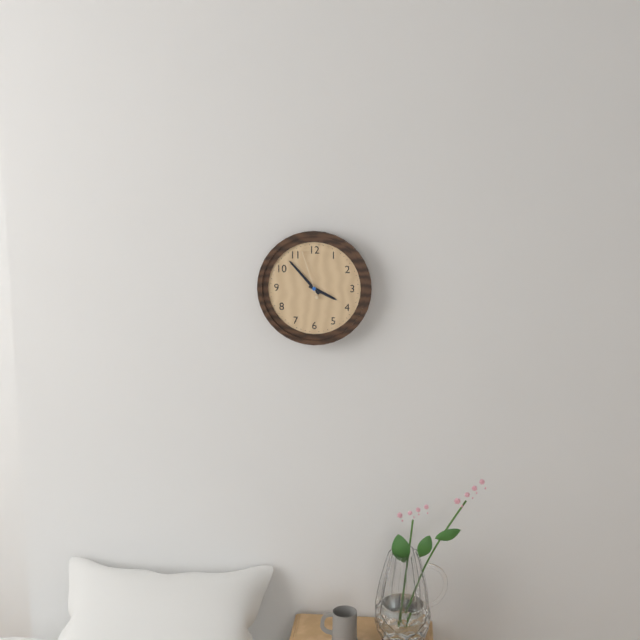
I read 3h53
